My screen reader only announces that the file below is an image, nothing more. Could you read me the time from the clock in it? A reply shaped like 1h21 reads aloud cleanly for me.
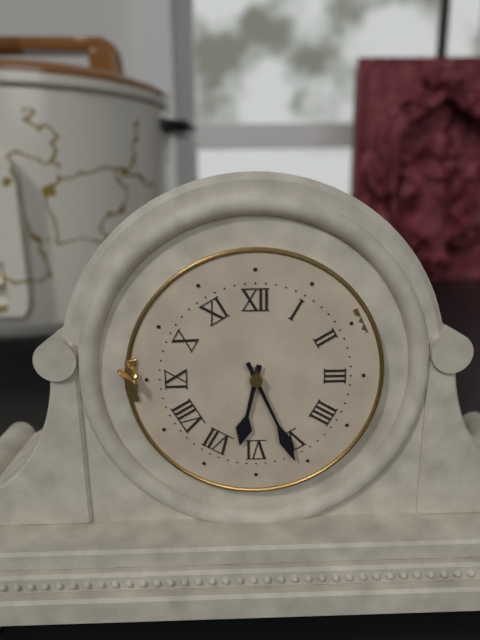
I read 6h26
